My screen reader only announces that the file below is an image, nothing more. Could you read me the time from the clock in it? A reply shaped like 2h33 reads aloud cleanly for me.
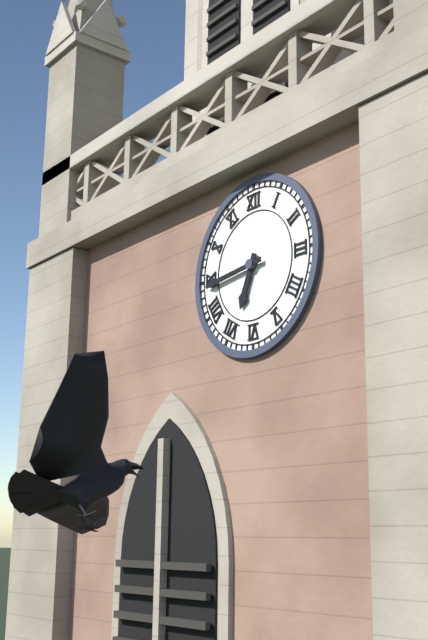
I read 6h44
